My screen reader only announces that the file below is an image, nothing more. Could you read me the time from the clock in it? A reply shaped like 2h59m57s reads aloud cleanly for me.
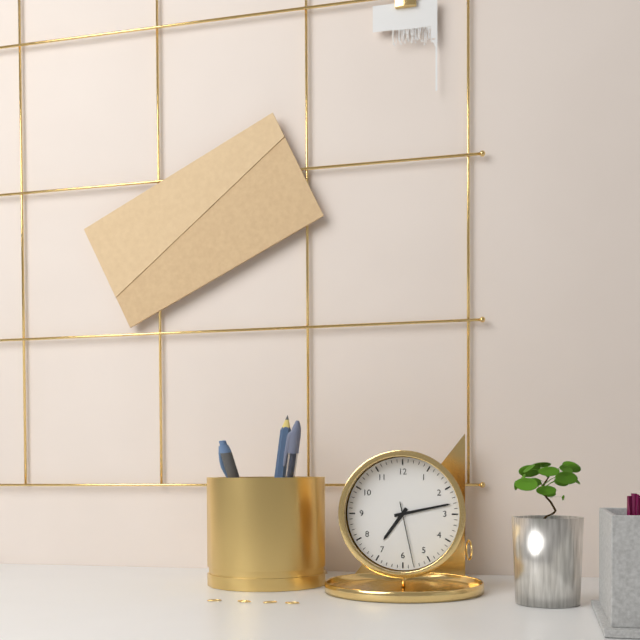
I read 7h13m28s
